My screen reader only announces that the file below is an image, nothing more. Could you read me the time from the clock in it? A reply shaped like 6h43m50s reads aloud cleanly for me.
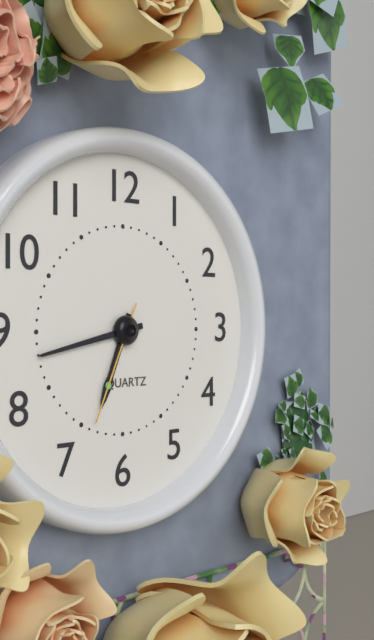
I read 6h43m34s
